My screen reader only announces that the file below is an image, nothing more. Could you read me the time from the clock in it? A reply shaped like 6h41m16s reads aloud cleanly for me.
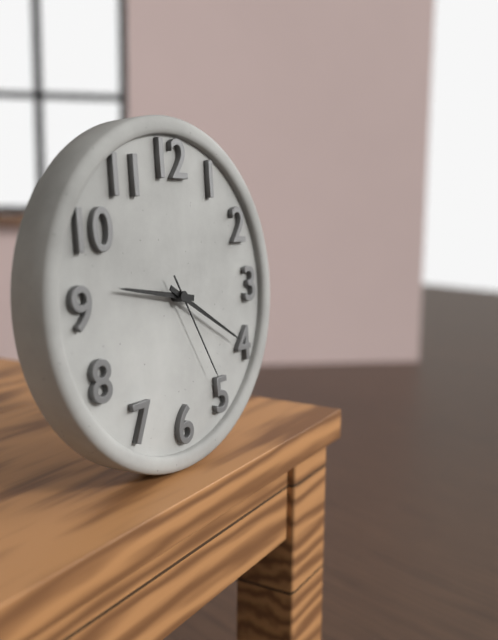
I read 9h20m25s
